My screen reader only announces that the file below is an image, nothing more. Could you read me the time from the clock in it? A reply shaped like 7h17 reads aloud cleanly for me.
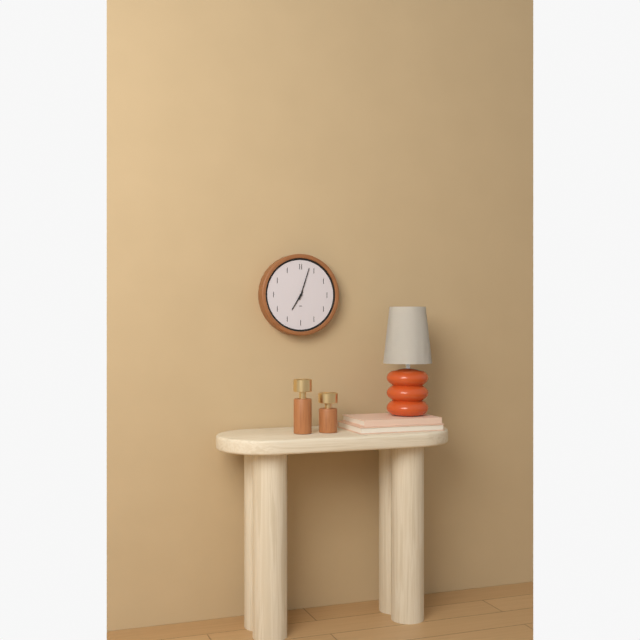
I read 7h03
